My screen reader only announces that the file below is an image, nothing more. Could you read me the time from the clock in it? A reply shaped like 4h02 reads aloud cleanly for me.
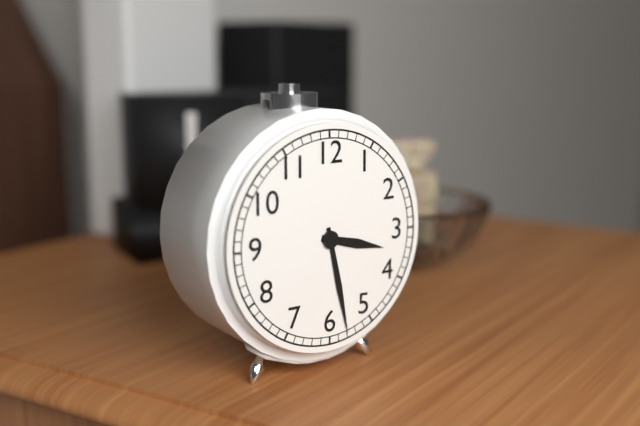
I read 3h28
